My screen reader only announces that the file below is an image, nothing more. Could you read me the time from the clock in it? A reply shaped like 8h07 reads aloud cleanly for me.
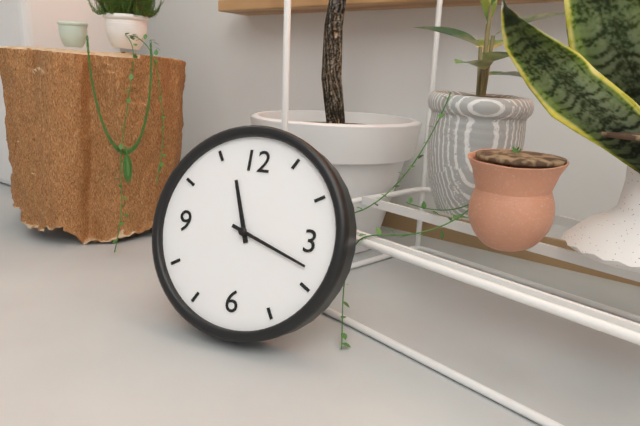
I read 11h18
